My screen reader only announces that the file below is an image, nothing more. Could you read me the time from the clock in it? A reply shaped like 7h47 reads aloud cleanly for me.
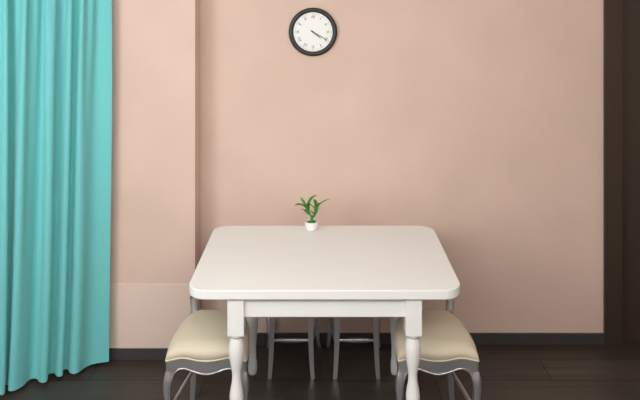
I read 4h20
